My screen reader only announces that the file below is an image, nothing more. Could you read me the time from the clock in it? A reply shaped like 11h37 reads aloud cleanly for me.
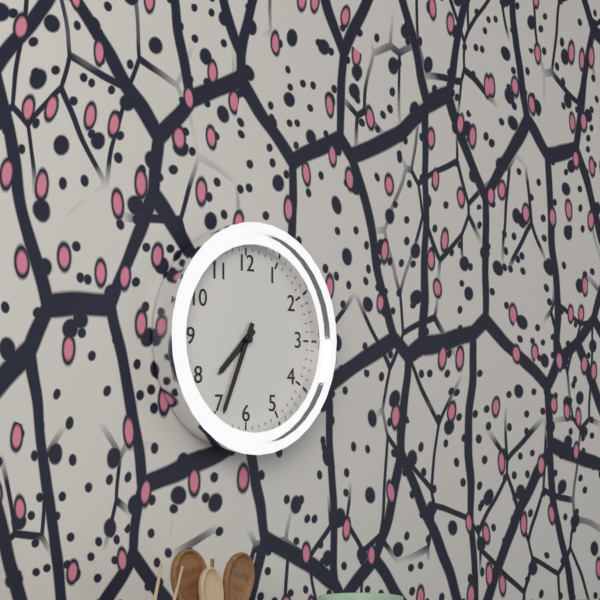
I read 7h34
